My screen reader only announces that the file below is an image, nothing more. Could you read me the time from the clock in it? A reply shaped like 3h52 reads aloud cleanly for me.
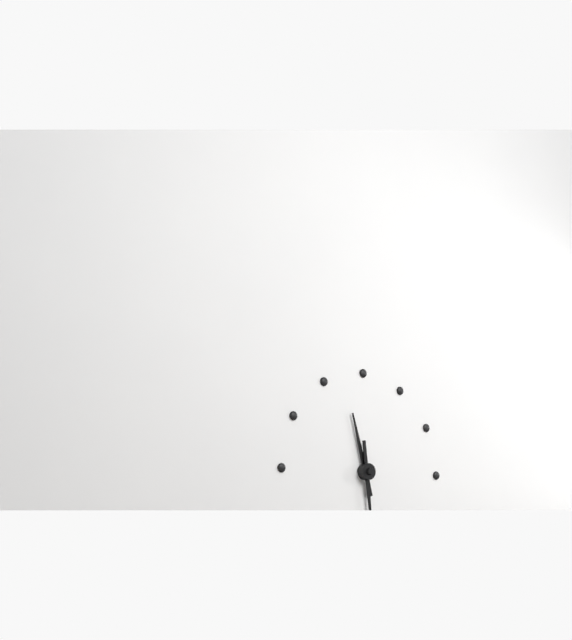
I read 11h29
